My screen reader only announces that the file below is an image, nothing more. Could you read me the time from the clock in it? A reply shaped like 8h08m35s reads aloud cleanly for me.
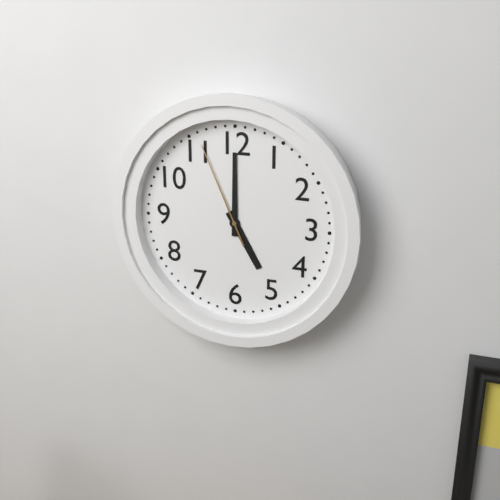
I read 5h00m56s
